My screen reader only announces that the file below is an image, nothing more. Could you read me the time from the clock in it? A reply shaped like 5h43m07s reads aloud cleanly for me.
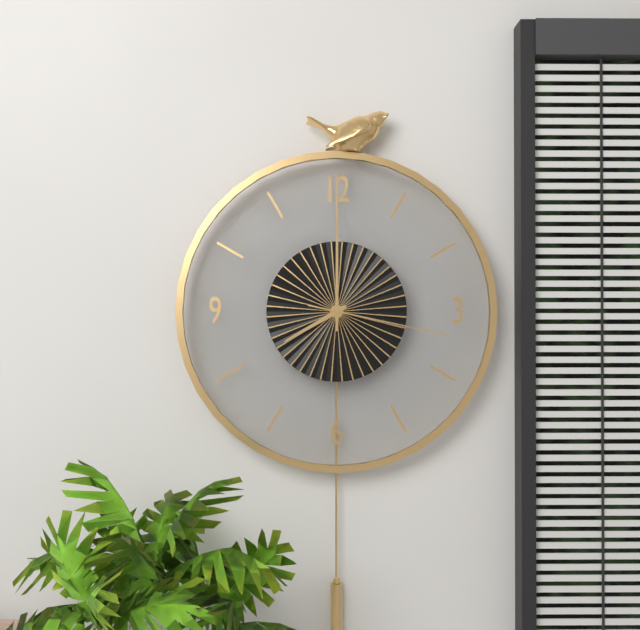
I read 8h00m17s
